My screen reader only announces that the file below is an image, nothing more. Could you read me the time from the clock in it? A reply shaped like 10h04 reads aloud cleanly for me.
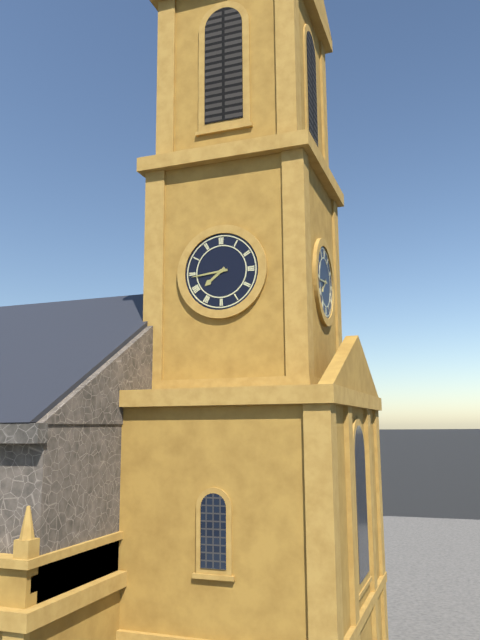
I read 7h44
